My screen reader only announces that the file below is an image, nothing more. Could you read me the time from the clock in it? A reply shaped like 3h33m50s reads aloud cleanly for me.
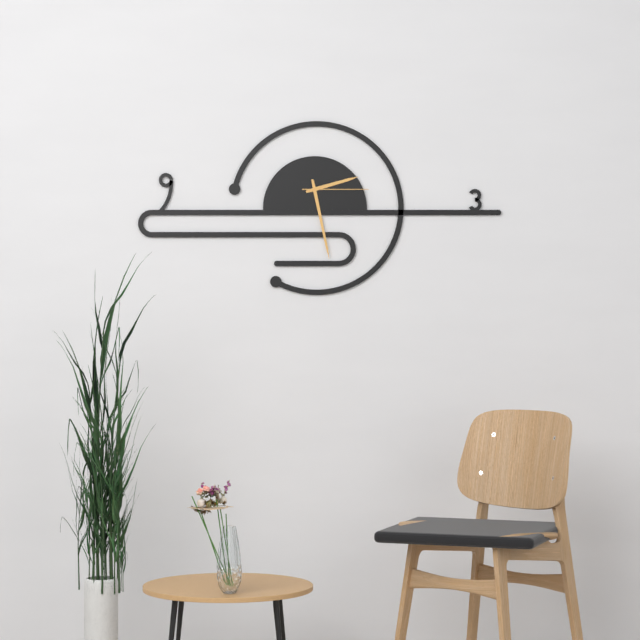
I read 2h28m15s
